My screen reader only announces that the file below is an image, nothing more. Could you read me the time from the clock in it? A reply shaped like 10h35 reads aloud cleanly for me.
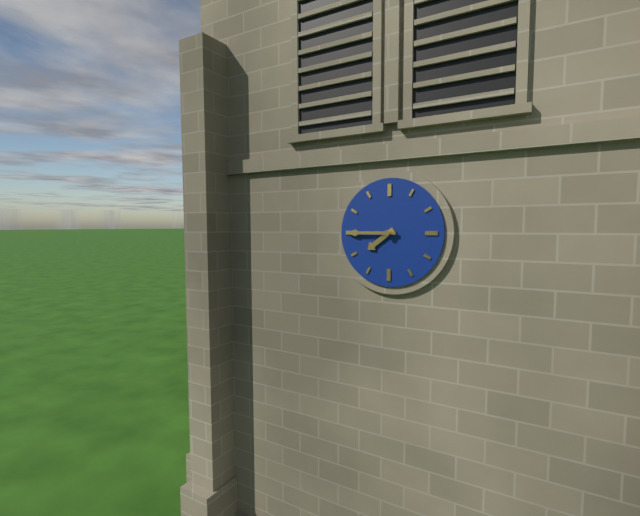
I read 7h45
